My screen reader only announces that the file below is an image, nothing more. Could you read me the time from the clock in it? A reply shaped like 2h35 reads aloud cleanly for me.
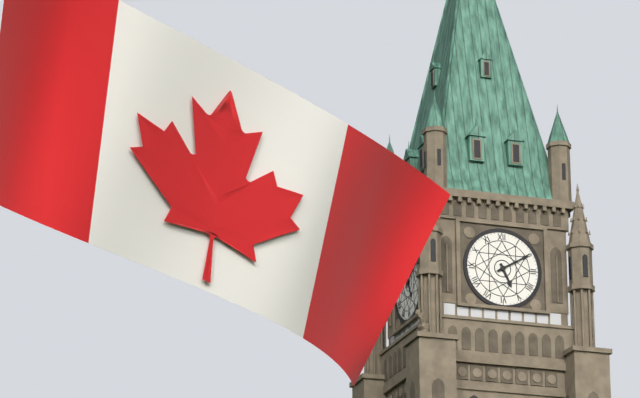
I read 5h10
